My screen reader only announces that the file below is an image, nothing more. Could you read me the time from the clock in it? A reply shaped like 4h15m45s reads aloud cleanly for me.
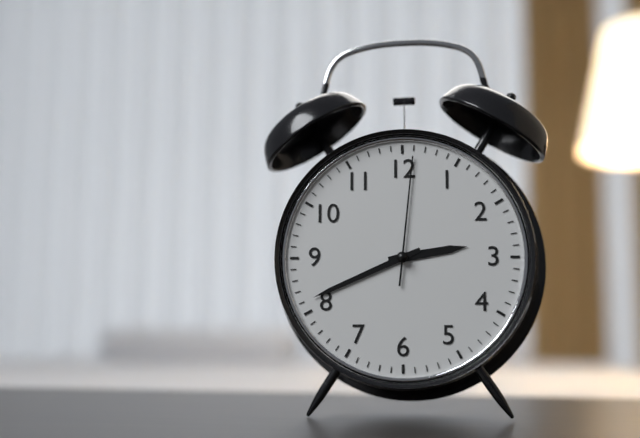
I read 2h41m01s
